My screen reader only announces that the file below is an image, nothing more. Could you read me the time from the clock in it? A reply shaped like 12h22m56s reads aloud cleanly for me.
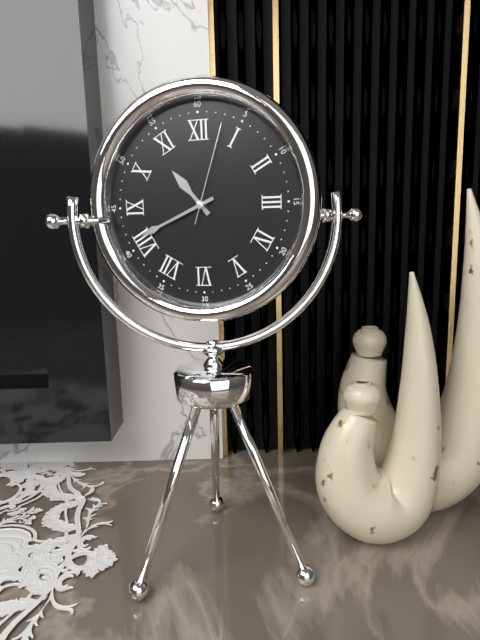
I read 10h41m03s
